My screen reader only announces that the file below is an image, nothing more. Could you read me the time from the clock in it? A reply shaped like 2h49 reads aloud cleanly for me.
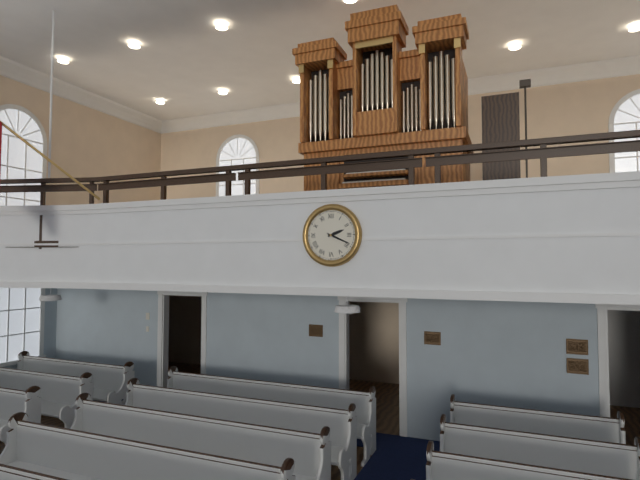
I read 2h19
